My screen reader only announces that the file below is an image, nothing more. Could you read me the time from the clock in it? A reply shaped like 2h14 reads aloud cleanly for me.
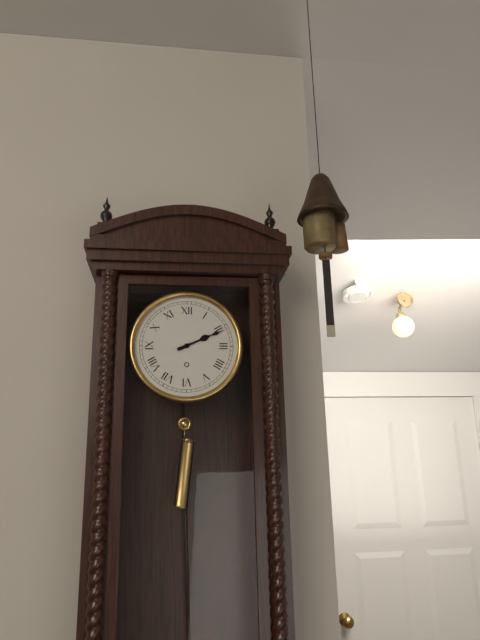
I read 2h11
